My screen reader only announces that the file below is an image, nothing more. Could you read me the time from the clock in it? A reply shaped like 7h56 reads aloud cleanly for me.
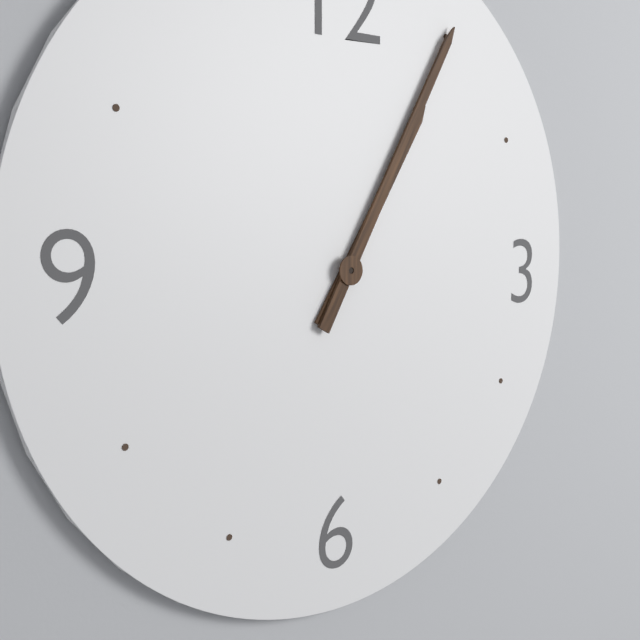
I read 1h05
